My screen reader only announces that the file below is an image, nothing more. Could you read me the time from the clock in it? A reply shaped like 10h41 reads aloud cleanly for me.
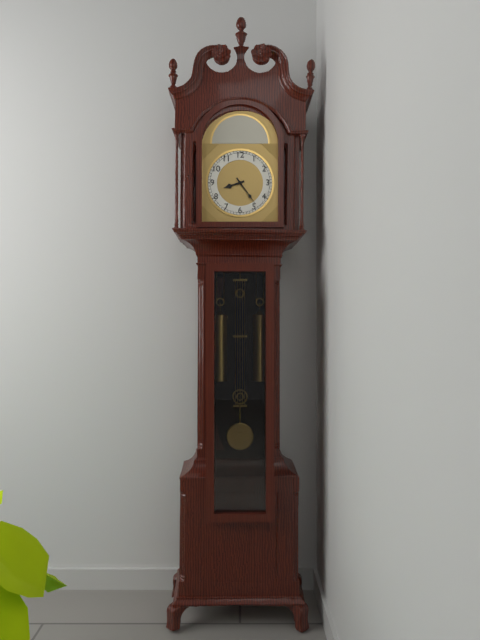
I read 8h24
